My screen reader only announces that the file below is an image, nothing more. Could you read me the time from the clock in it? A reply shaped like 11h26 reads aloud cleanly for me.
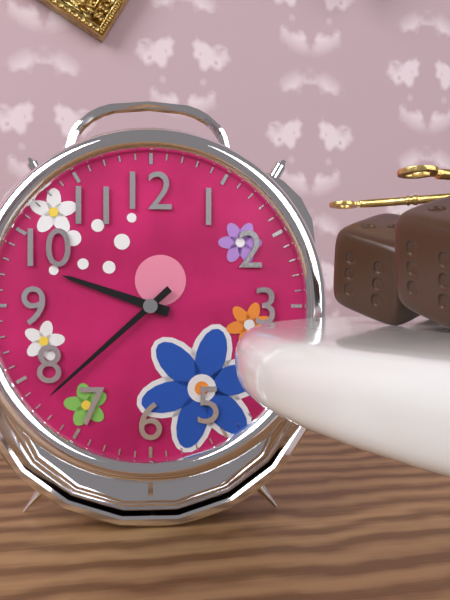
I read 9h38
